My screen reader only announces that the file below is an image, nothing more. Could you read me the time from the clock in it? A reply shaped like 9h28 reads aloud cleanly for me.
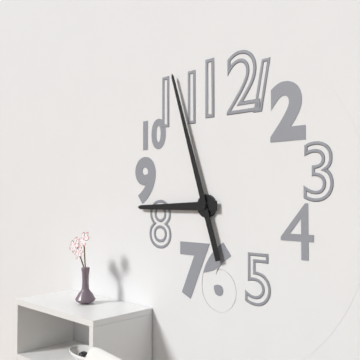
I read 8h57
